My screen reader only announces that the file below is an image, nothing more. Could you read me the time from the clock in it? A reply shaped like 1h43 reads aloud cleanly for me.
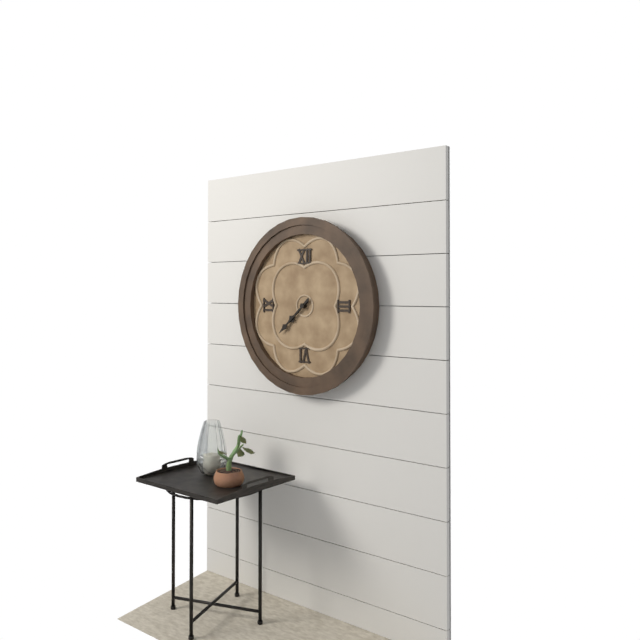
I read 7h38
